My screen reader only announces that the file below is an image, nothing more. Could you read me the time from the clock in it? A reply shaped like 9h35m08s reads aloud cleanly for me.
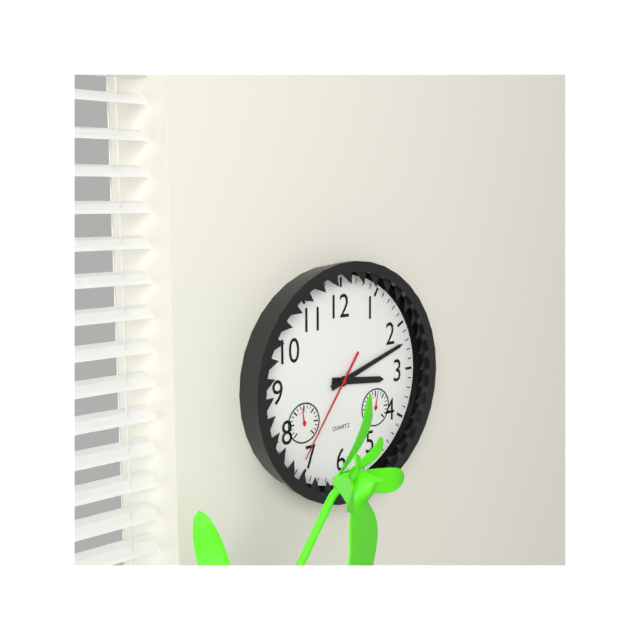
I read 3h12m36s
